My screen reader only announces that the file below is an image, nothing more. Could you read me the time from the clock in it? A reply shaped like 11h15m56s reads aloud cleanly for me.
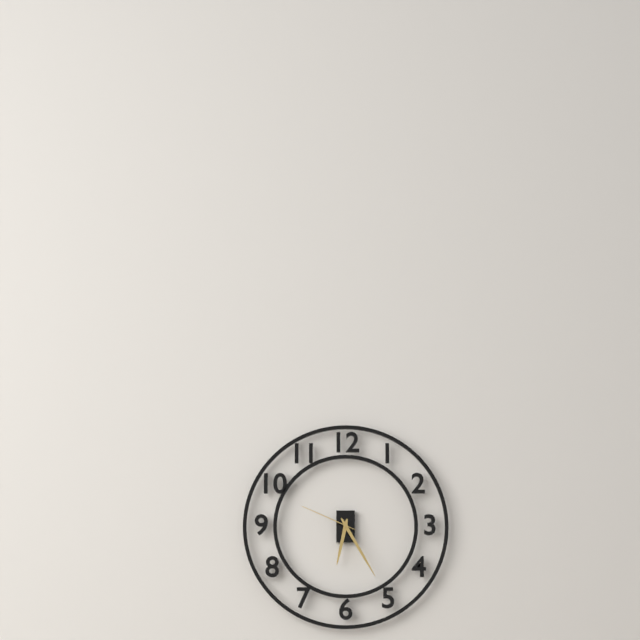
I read 6h25m49s
